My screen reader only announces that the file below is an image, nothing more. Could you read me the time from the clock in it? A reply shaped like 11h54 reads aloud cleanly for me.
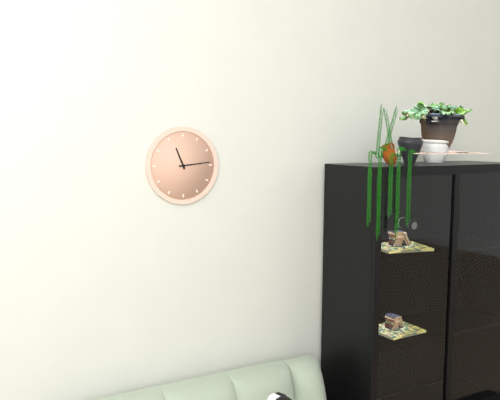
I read 11h14
